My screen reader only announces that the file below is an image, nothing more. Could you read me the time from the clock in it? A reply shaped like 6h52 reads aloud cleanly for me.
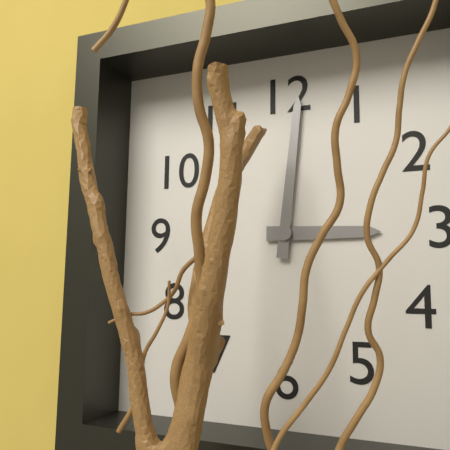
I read 3h01
